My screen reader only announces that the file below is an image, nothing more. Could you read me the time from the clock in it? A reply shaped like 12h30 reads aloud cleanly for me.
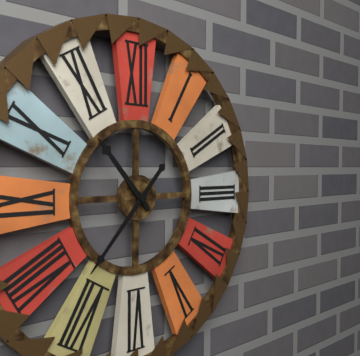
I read 10h37
